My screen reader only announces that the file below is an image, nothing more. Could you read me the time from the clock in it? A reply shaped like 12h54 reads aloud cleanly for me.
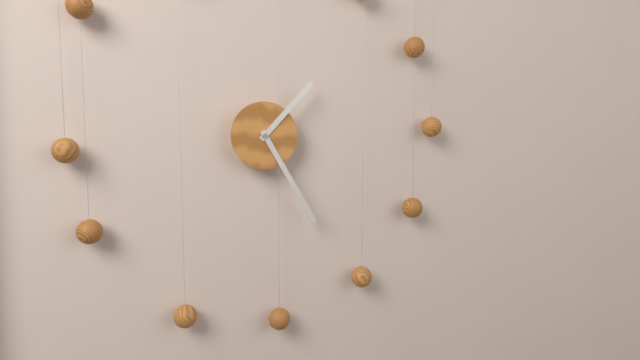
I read 1h25
